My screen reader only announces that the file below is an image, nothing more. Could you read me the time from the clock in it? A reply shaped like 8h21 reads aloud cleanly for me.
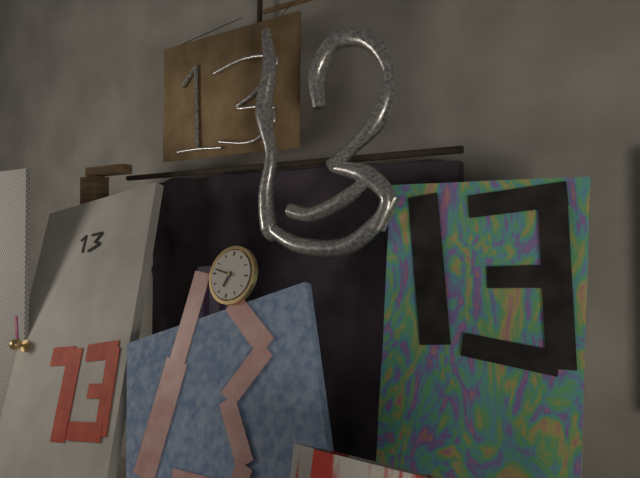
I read 6h47
